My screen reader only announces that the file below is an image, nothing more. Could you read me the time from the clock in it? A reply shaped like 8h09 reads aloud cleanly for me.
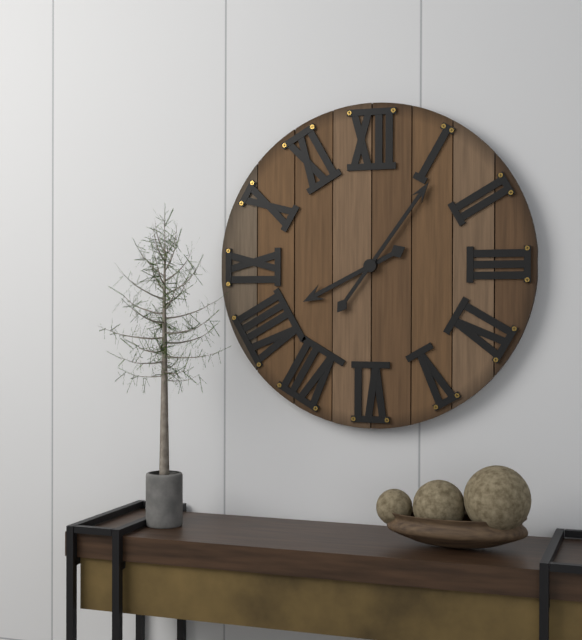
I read 8h06
